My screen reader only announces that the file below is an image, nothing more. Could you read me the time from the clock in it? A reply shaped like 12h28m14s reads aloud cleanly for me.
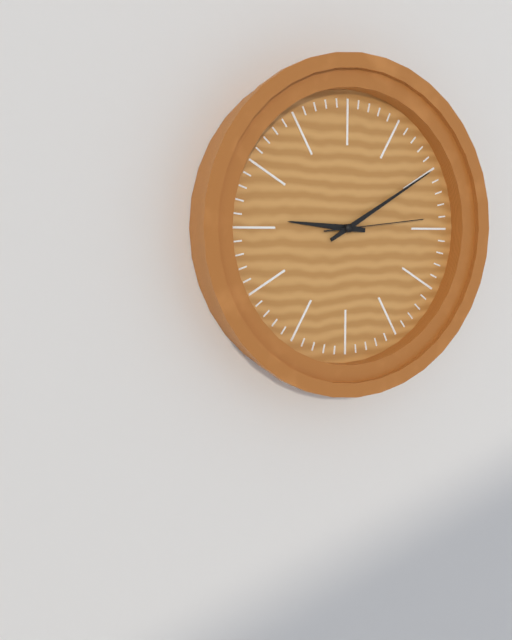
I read 9h10m14s
